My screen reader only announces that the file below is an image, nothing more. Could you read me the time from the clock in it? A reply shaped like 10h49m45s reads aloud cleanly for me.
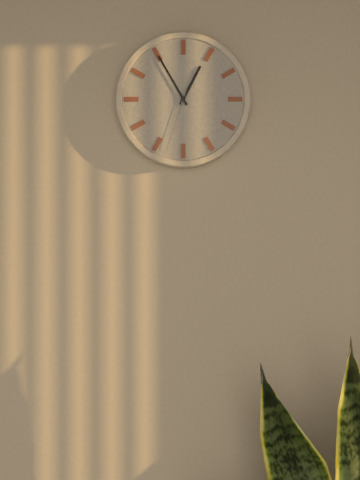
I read 12h55m33s
